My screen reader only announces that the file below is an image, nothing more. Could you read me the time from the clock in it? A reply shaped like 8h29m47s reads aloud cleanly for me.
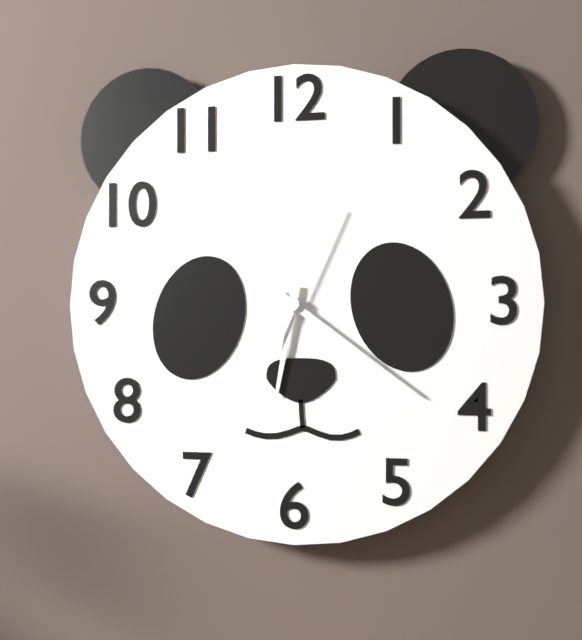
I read 6h21m04s
